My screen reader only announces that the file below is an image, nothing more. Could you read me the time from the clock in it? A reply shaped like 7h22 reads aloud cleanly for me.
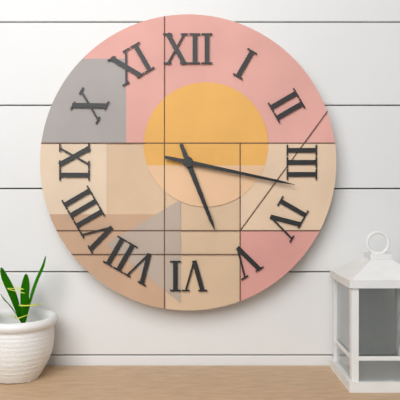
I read 5h17
